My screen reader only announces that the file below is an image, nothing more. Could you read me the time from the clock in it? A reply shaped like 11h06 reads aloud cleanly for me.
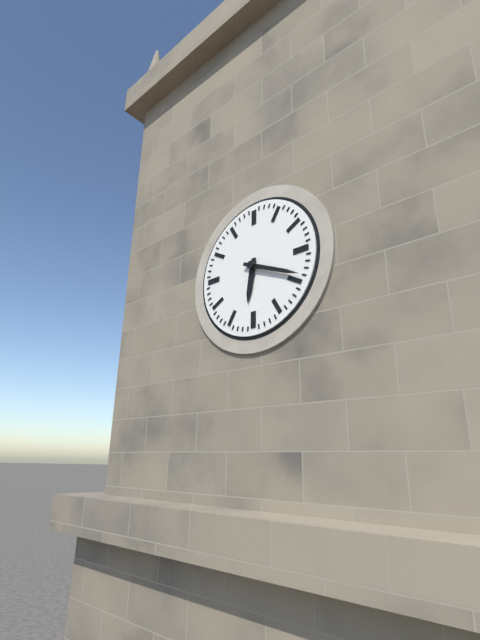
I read 6h19
